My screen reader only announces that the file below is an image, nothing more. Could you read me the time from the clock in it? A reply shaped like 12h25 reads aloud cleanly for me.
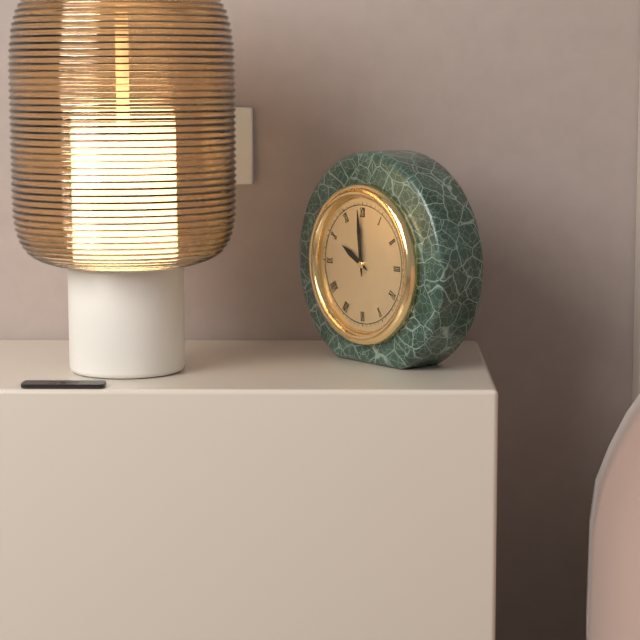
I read 9h59
